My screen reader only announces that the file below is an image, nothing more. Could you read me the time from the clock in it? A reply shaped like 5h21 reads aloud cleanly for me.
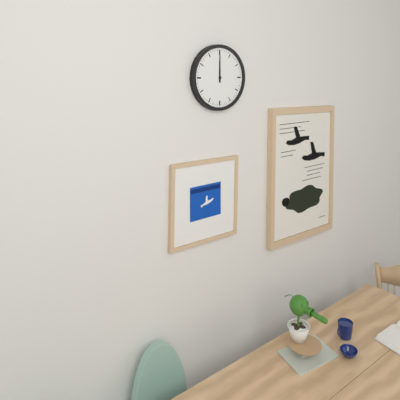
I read 12h00
